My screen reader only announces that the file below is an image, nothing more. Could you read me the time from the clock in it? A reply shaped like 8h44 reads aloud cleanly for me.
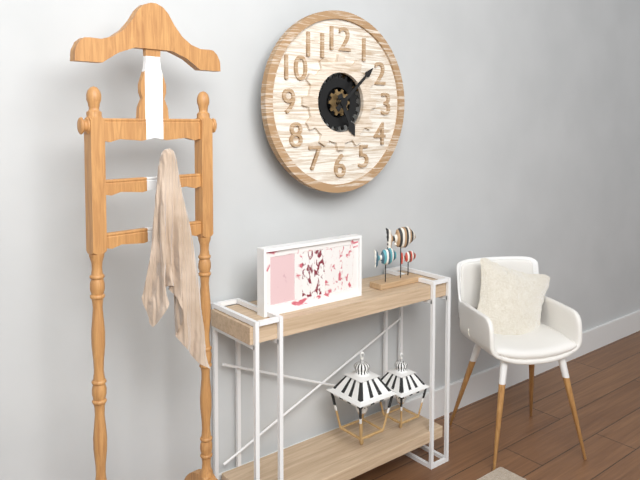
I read 5h08
